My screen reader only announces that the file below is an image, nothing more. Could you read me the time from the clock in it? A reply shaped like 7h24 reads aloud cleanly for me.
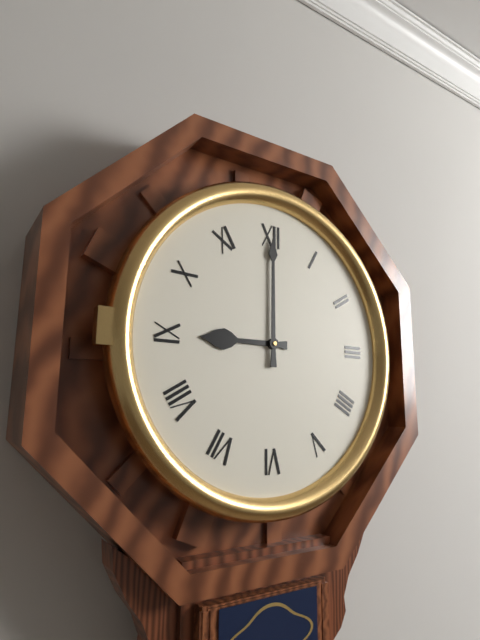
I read 9h00
